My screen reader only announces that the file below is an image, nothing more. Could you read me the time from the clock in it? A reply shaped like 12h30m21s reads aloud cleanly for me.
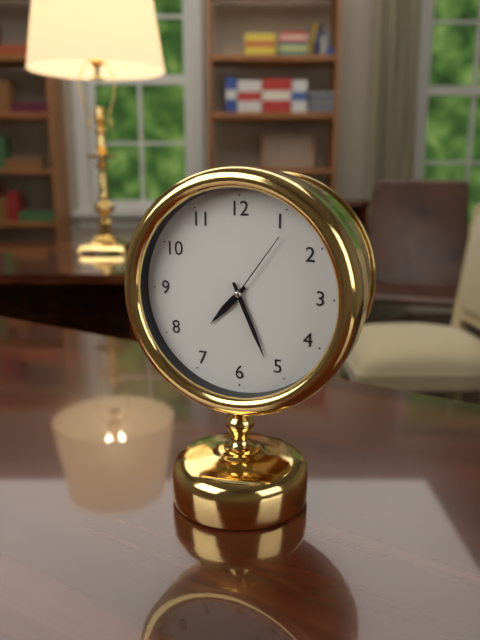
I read 7h26m06s
